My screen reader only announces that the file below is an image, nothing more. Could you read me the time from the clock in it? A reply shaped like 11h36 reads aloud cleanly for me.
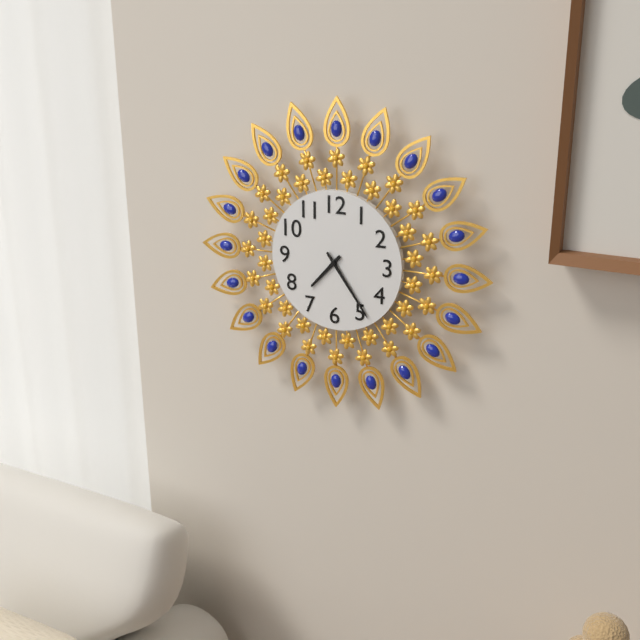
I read 7h24
